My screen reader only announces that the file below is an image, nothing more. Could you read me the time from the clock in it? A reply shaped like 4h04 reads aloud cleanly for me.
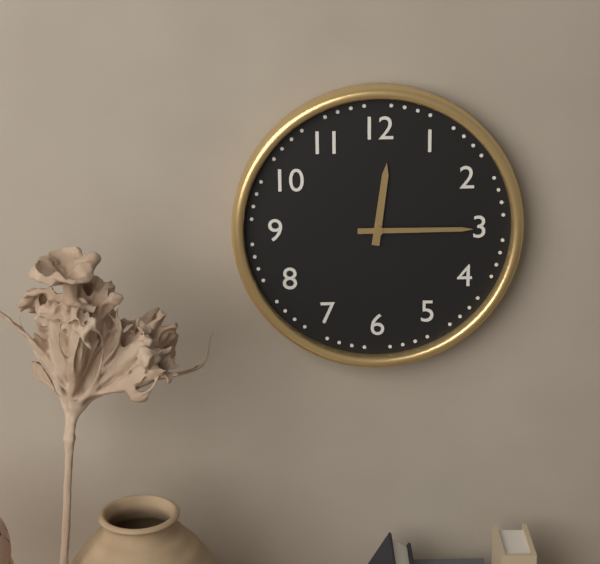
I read 12h15
